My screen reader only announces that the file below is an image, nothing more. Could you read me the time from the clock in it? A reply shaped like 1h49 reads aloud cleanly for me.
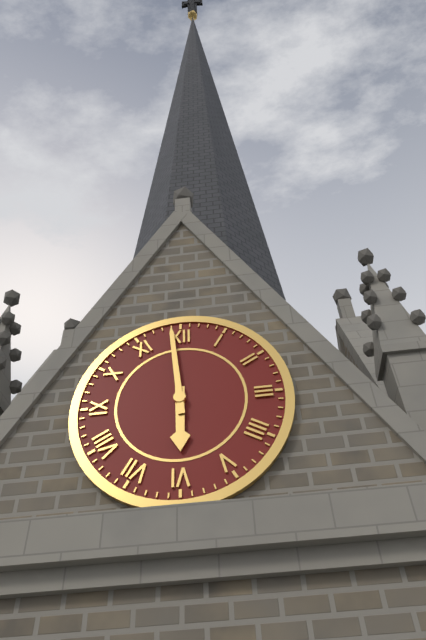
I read 5h59
